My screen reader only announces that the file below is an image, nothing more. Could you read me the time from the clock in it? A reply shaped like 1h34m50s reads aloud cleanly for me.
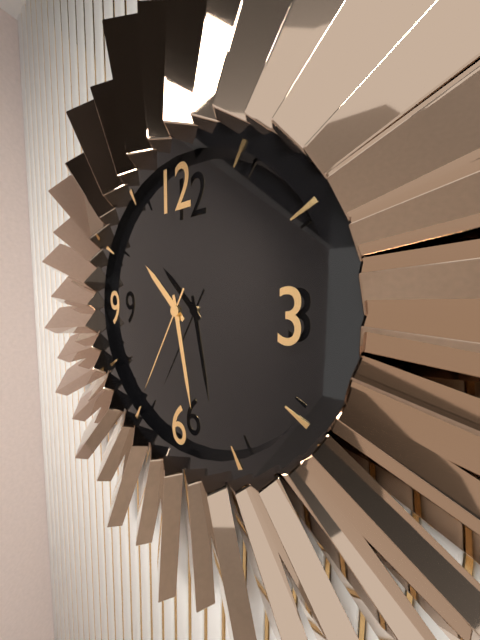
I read 10h28m35s
